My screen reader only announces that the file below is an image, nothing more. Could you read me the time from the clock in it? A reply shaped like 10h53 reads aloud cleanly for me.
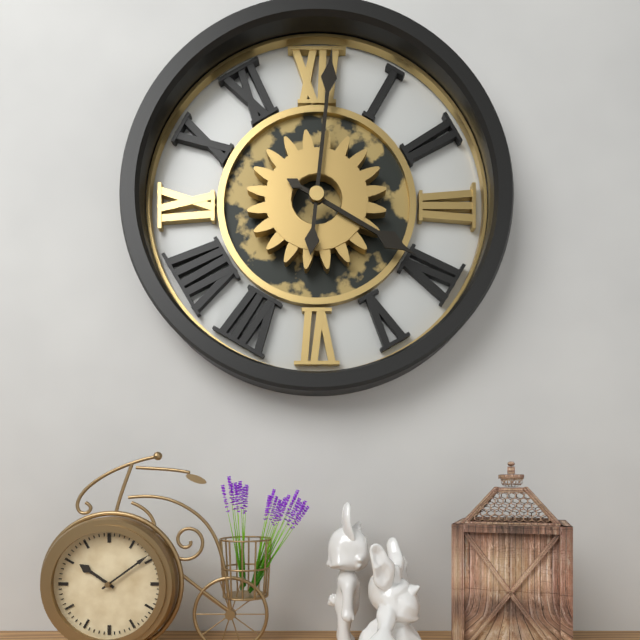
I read 4h01
